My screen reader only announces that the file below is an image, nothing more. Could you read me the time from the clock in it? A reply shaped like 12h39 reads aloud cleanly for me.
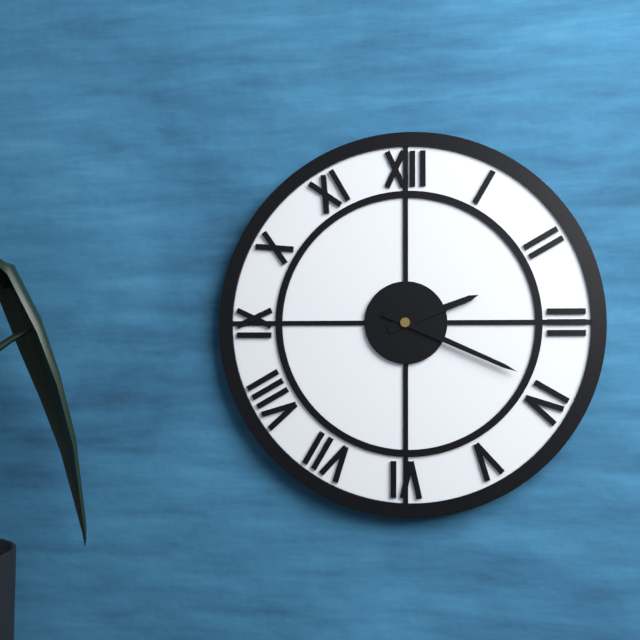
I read 2h19
